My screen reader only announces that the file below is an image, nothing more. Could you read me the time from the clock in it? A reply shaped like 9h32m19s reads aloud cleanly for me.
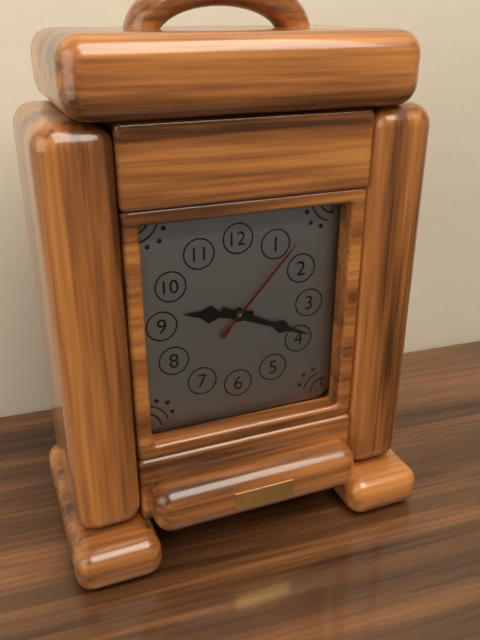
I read 9h19m07s
